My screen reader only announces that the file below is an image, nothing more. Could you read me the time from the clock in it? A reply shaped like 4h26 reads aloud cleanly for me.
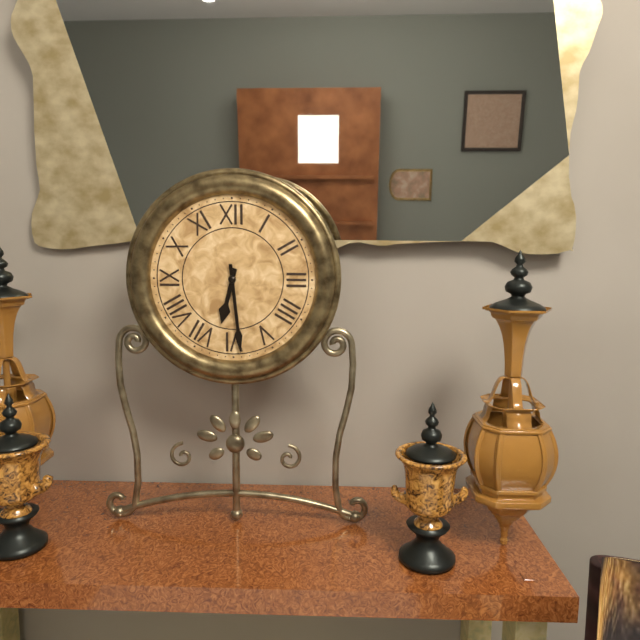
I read 6h29
